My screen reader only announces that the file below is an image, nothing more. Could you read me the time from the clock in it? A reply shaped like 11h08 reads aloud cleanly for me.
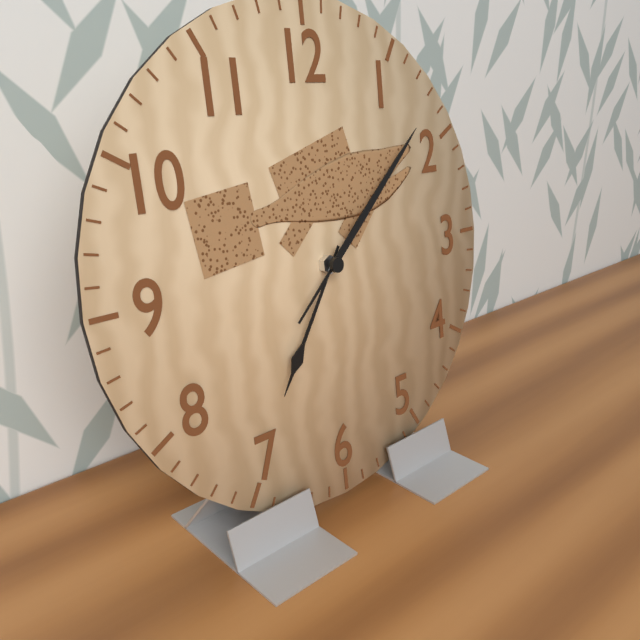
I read 7h08
